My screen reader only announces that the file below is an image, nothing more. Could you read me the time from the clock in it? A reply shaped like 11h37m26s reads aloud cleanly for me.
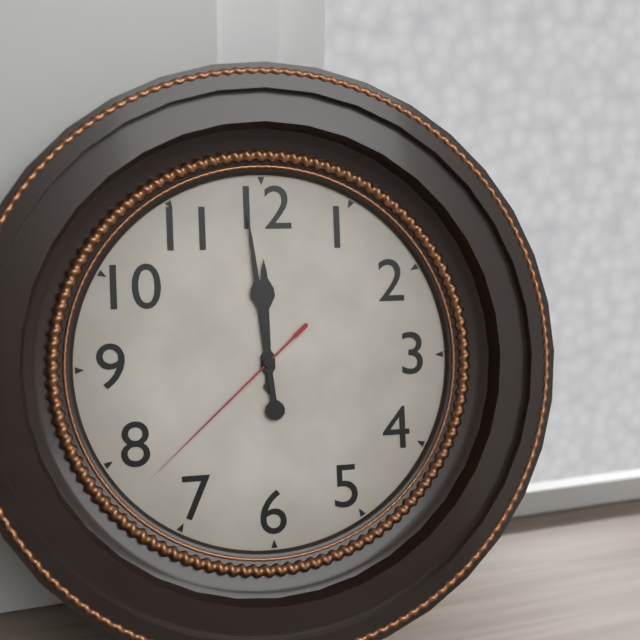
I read 11h59m38s
